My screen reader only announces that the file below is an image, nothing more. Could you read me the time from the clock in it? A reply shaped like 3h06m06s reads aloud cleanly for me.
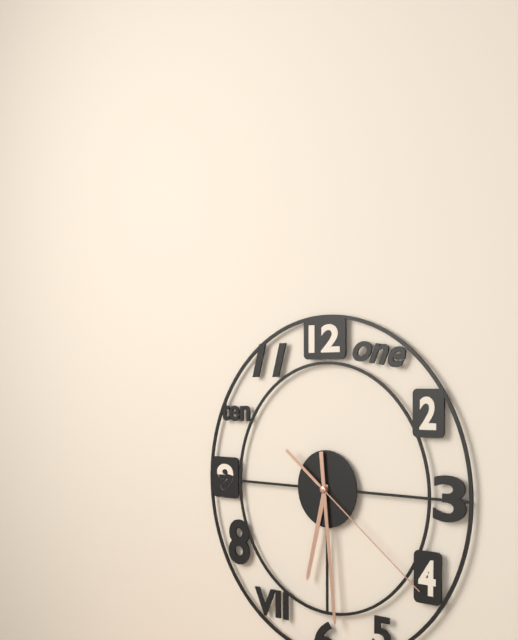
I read 6h29m21s
